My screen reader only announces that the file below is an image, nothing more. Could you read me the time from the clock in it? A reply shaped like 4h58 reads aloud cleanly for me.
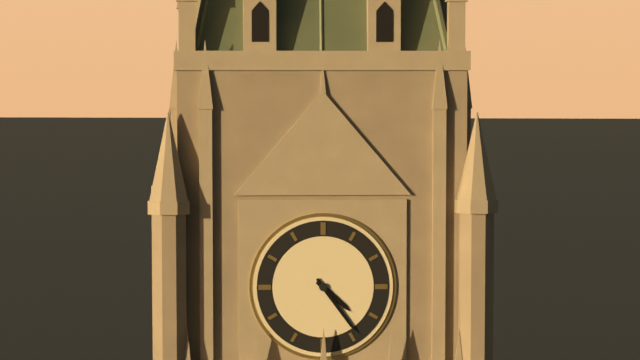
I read 4h24
